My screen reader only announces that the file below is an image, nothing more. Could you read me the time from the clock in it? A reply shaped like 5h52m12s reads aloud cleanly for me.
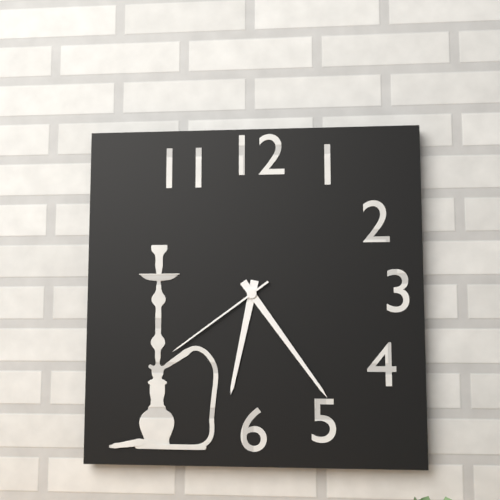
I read 6h24m39s
